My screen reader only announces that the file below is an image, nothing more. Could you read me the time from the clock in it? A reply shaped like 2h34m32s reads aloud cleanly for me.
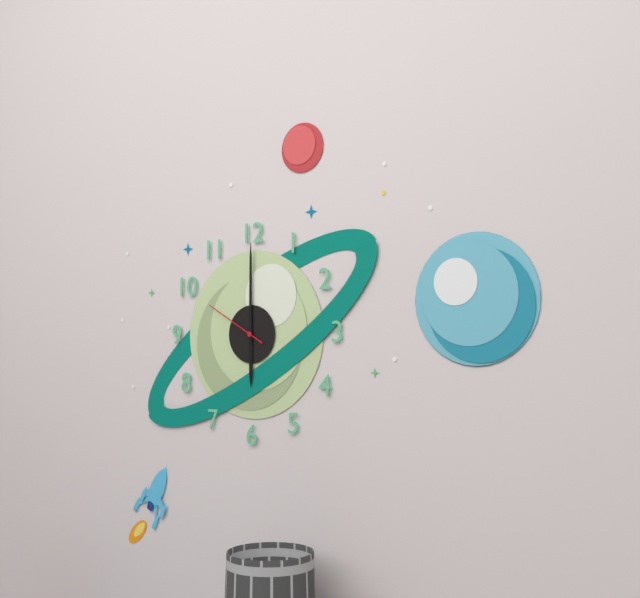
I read 6h00m50s
